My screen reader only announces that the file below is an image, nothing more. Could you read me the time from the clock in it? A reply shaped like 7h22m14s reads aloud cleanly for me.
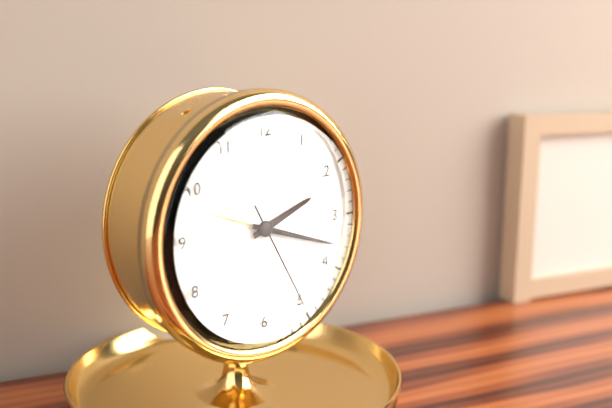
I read 2h18m25s
